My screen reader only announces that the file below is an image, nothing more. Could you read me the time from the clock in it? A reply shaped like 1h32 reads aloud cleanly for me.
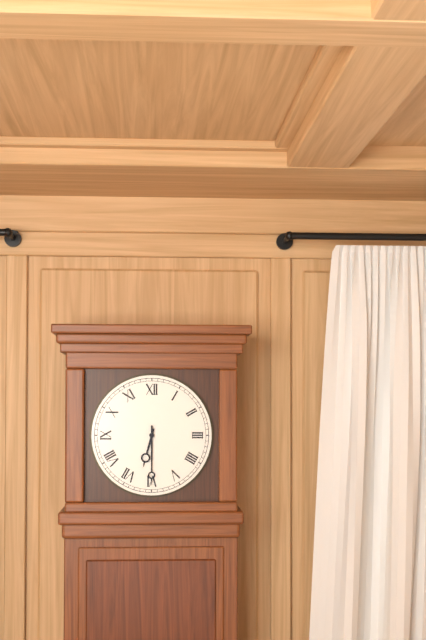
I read 6h30
